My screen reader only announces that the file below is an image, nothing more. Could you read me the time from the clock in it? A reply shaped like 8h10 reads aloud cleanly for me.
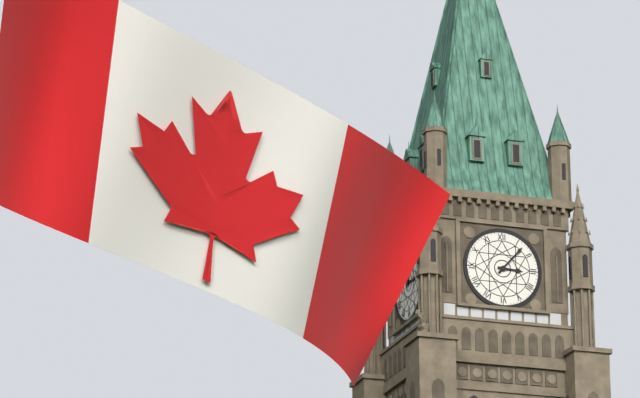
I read 3h07
